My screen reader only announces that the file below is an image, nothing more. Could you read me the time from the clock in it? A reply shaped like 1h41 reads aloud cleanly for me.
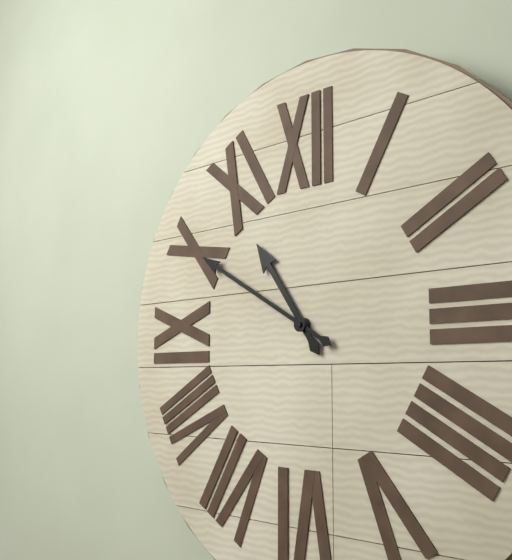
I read 10h50
